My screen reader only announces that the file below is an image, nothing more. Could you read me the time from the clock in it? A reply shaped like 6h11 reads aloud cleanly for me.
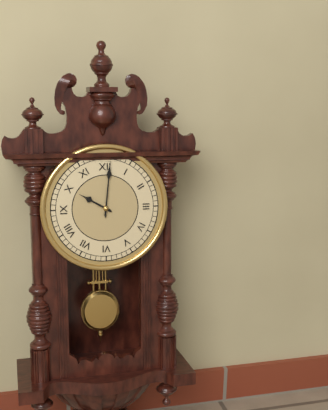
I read 10h01
